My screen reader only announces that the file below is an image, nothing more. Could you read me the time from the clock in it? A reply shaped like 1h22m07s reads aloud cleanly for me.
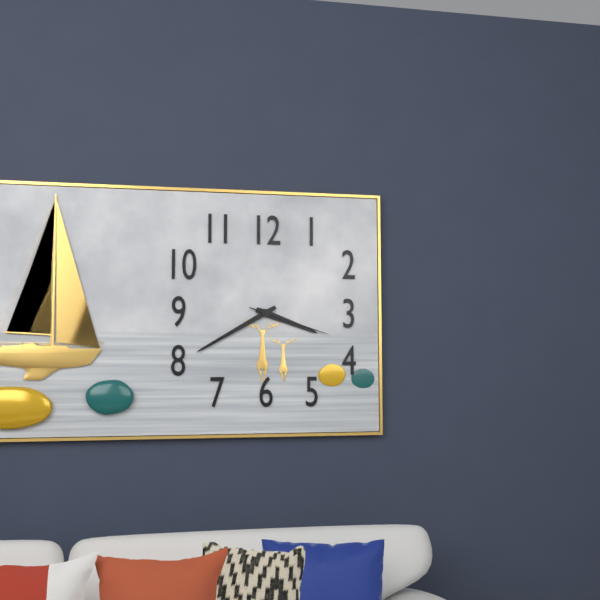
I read 3h40m18s
